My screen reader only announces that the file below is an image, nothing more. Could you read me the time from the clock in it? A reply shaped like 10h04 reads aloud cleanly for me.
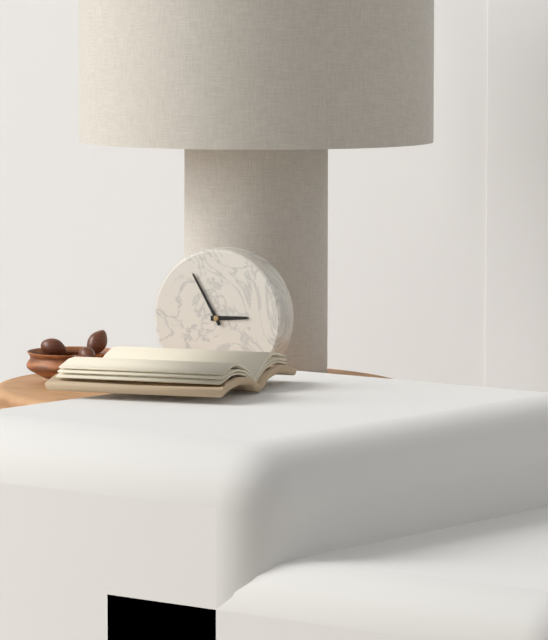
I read 2h55
